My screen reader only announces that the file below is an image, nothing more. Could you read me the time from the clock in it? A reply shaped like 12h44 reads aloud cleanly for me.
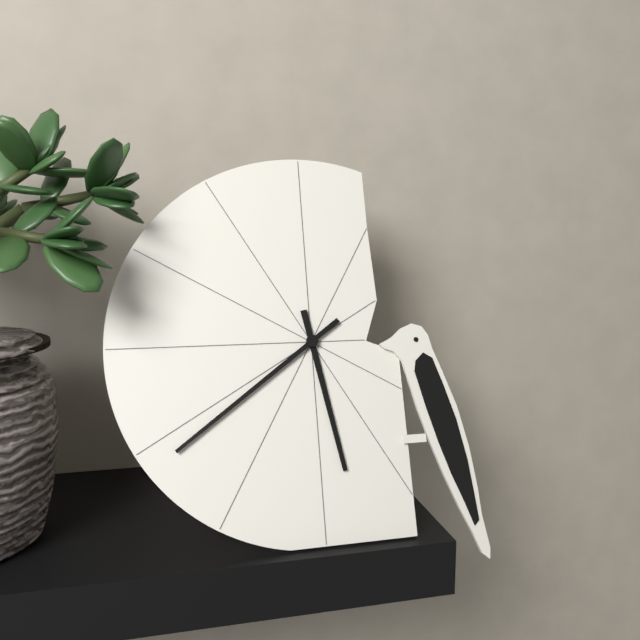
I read 5h39
